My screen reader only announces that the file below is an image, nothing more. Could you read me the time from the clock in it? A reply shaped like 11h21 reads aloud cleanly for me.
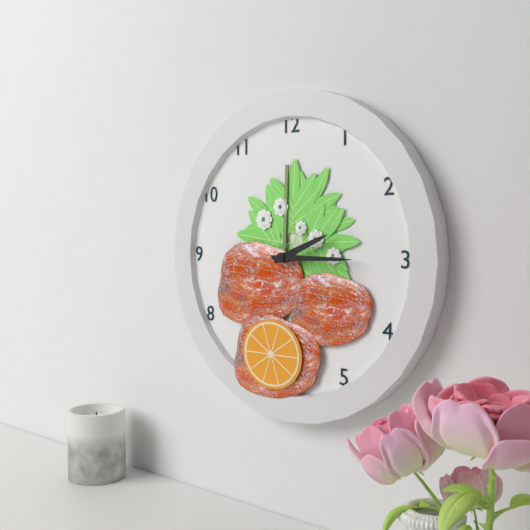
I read 2h15
